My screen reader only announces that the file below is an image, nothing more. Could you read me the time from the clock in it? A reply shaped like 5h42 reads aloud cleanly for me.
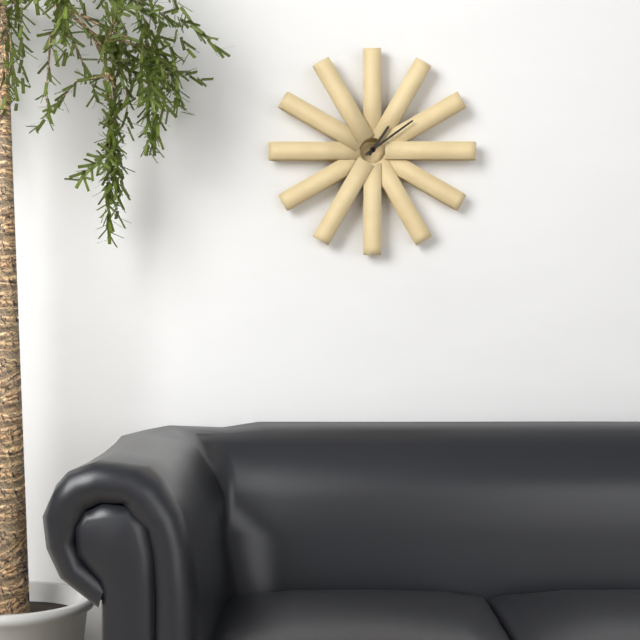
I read 1h09
